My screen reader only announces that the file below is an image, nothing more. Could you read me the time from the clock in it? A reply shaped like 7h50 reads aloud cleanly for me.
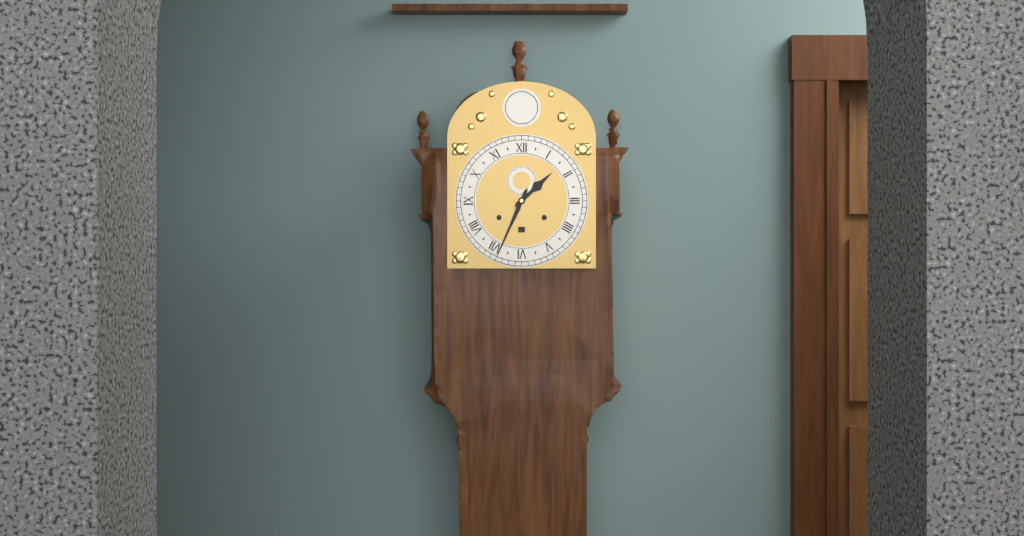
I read 1h34
